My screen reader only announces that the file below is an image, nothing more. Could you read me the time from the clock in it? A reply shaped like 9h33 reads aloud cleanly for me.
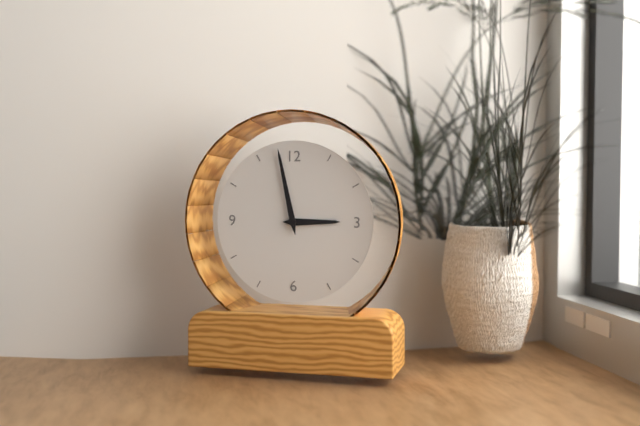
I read 2h58
